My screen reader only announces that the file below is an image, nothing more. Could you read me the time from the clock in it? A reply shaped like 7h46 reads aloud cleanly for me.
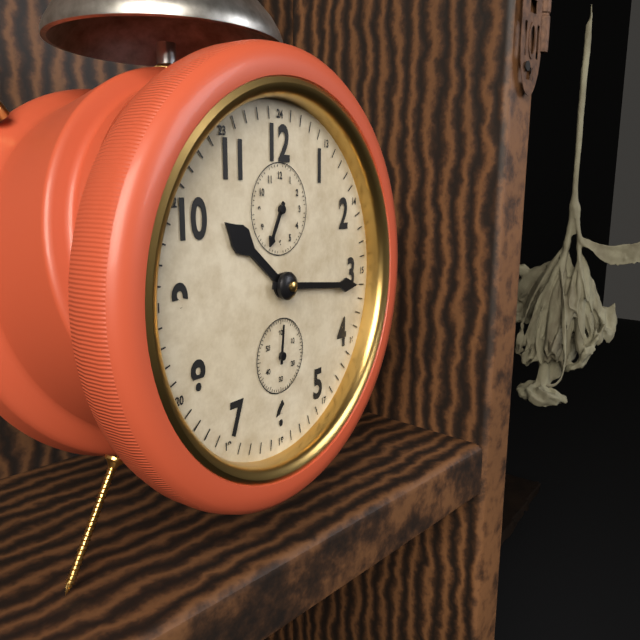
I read 10h16
